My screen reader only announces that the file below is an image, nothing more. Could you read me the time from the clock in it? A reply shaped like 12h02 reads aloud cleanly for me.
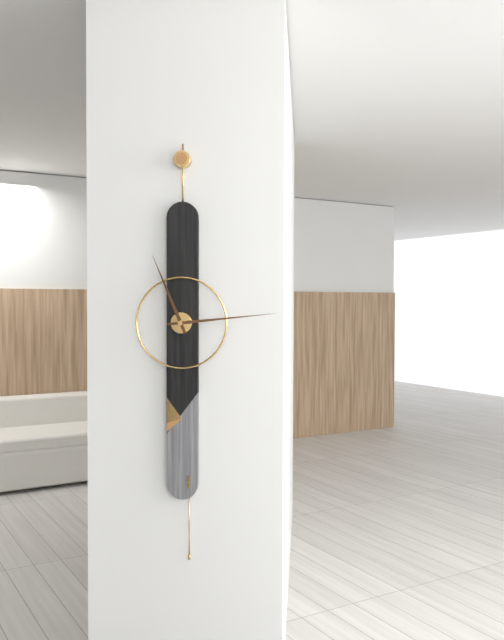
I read 11h14
